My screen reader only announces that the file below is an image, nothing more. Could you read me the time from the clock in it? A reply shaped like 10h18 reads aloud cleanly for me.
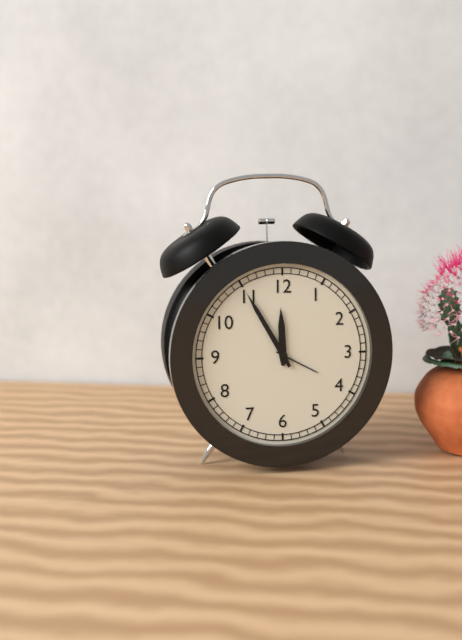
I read 11h55
